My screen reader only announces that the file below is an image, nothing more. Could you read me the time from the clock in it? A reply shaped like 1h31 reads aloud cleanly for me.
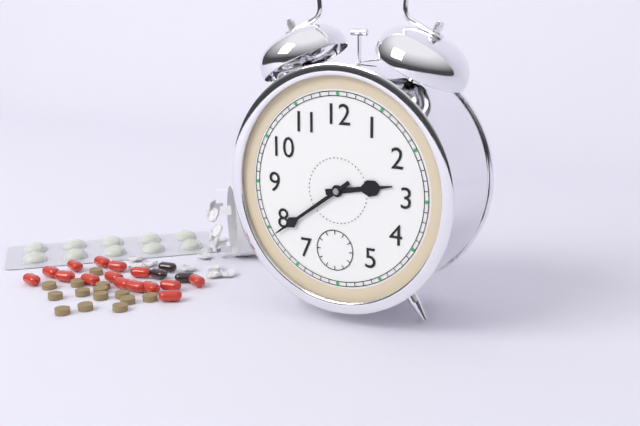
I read 2h39
